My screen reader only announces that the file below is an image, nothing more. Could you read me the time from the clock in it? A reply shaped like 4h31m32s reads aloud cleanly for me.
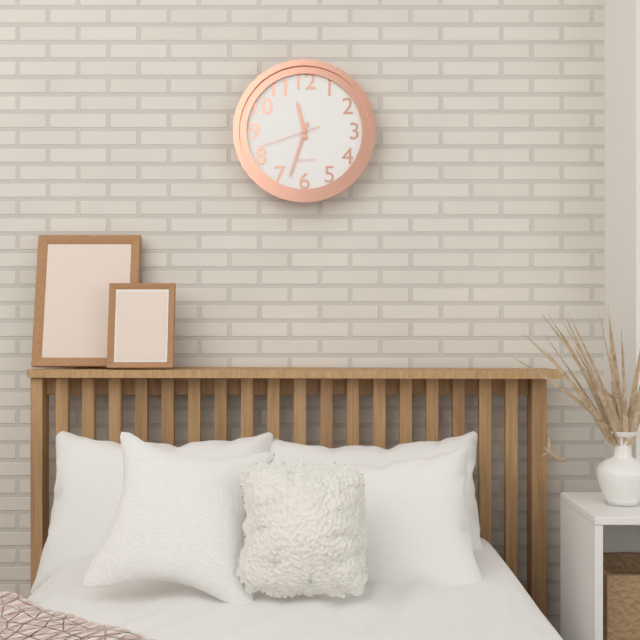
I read 11h33m42s
